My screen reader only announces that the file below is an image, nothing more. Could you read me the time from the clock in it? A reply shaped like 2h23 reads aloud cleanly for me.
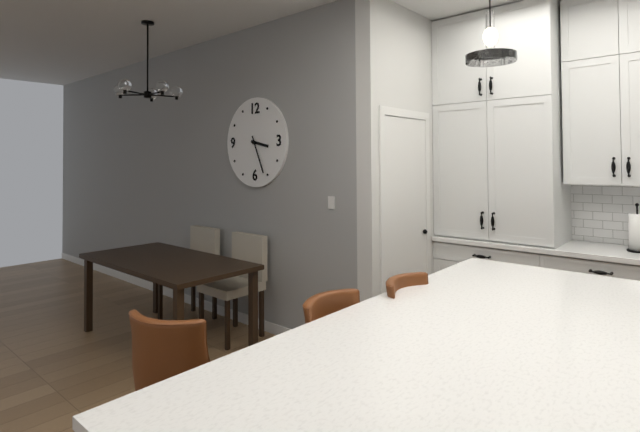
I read 3h26
